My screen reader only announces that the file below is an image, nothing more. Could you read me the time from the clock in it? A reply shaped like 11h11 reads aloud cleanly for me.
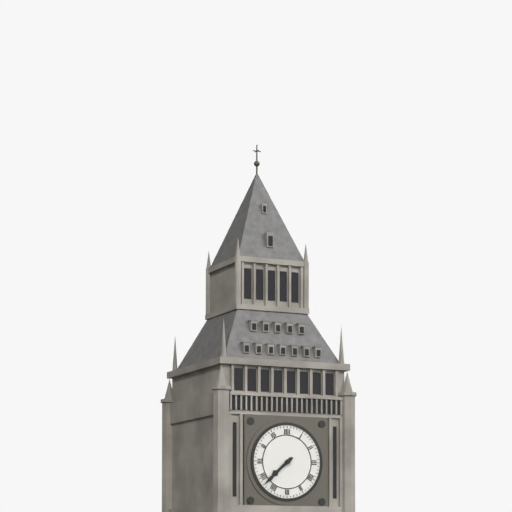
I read 7h38
